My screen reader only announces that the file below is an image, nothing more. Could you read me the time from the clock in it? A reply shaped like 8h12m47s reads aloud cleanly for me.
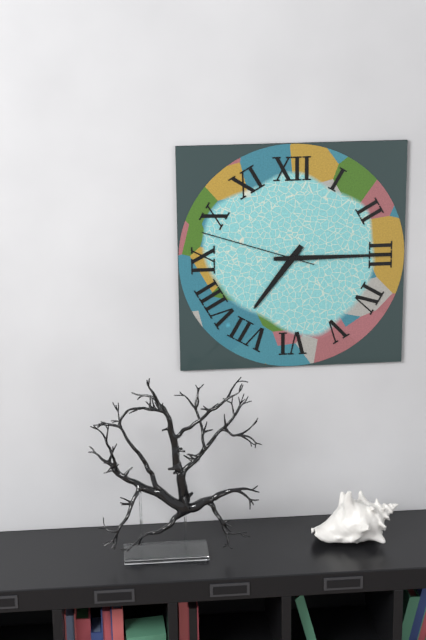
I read 7h15m48s
